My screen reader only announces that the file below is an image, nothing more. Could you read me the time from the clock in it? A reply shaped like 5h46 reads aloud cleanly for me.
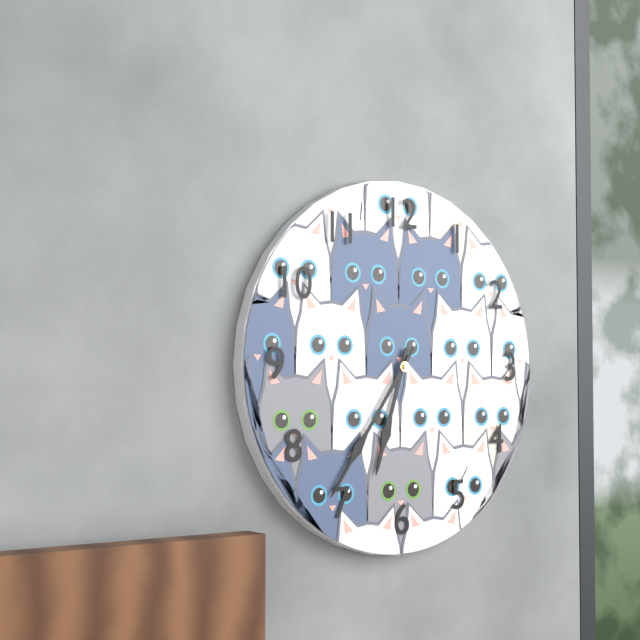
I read 6h36
